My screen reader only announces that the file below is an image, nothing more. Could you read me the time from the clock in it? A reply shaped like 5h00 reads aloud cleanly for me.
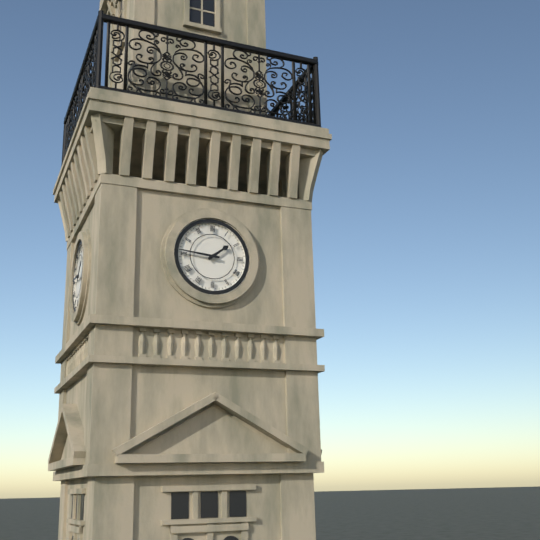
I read 1h46
